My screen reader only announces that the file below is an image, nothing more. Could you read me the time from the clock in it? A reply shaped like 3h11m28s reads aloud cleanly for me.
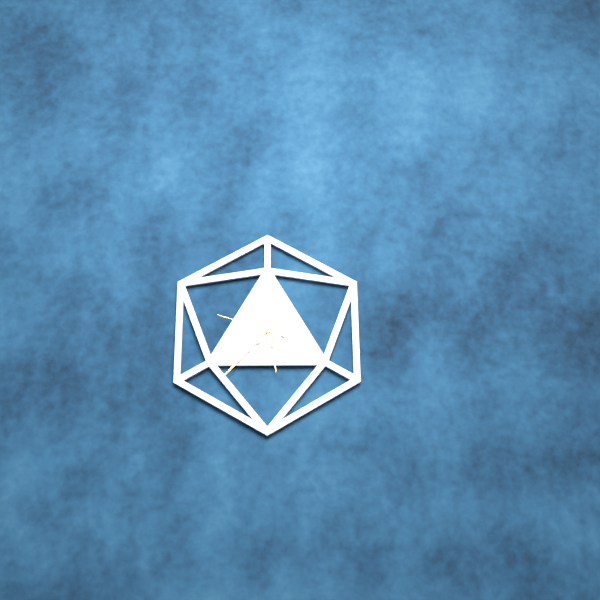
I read 5h37m48s
